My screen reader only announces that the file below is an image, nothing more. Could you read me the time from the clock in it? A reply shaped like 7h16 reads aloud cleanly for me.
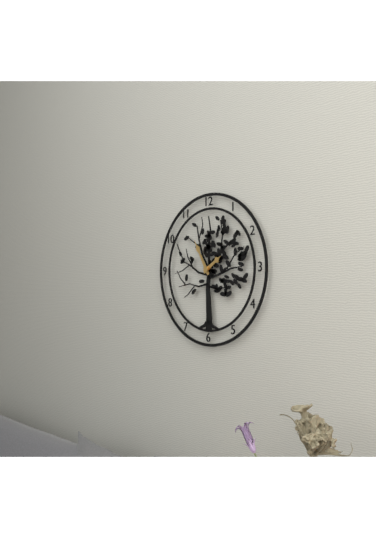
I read 1h55
